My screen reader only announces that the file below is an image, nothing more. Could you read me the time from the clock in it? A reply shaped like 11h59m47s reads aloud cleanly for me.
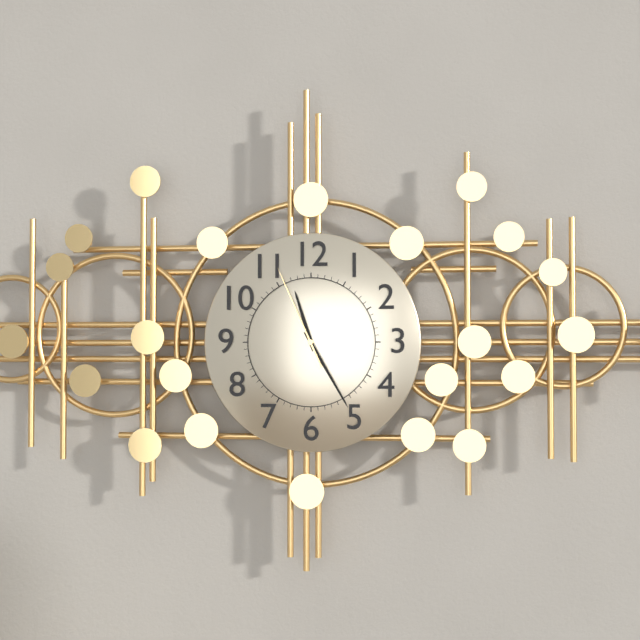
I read 11h25m56s
